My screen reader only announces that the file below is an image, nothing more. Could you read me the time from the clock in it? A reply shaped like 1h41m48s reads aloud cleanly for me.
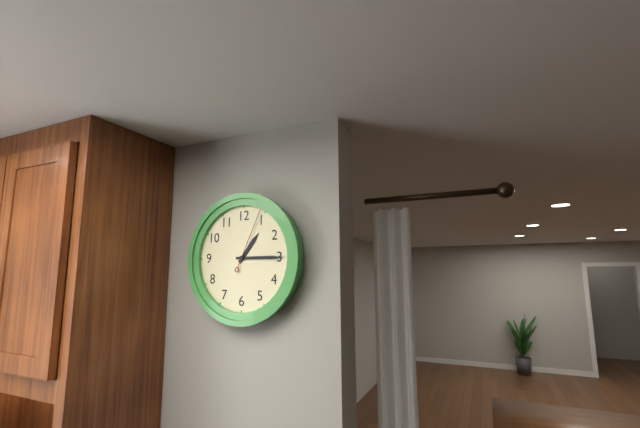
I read 1h15m04s
